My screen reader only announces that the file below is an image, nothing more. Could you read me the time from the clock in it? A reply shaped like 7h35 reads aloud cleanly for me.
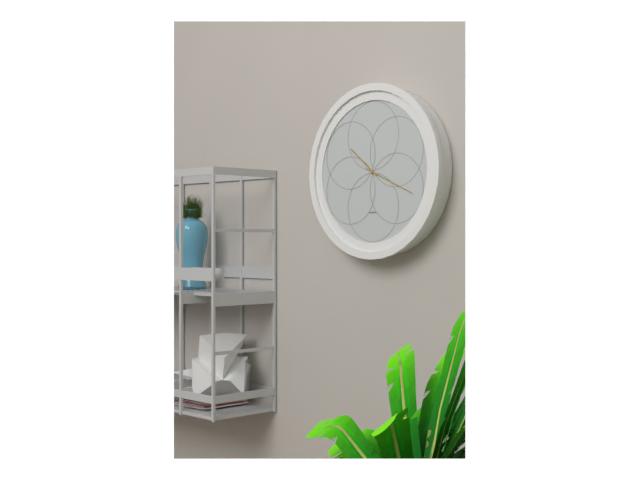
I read 10h19
